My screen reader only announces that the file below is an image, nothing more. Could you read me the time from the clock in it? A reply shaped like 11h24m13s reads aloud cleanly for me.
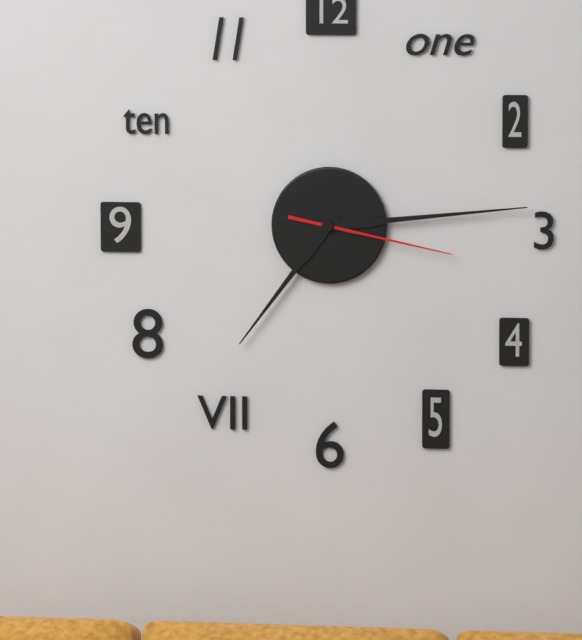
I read 7h14m17s
